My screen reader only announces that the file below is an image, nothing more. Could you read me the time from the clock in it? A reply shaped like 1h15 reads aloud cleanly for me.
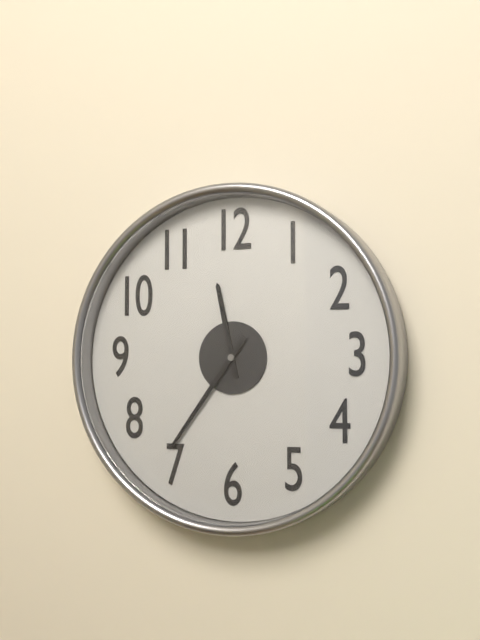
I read 11h36
